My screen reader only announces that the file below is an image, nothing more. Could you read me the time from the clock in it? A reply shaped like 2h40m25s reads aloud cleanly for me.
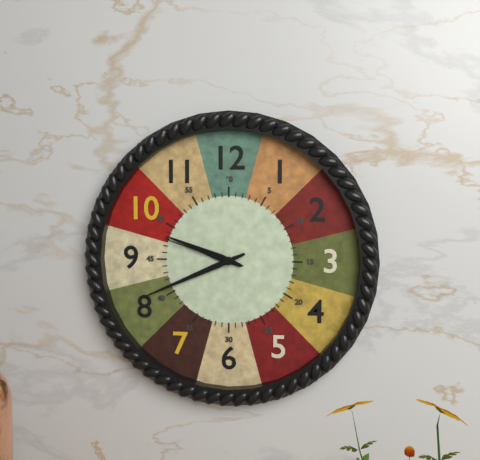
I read 9h41m48s
